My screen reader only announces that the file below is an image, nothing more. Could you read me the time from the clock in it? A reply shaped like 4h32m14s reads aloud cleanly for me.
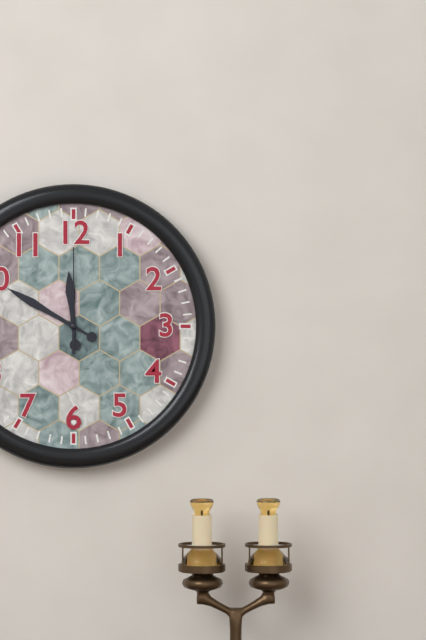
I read 11h50m00s
